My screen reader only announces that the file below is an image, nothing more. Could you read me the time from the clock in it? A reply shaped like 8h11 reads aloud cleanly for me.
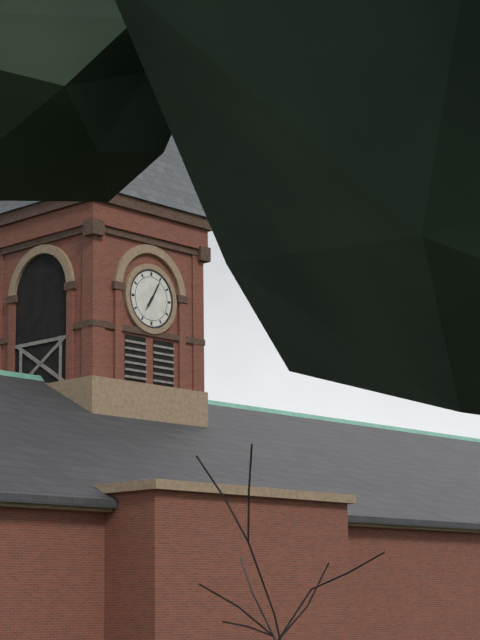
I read 7h05
